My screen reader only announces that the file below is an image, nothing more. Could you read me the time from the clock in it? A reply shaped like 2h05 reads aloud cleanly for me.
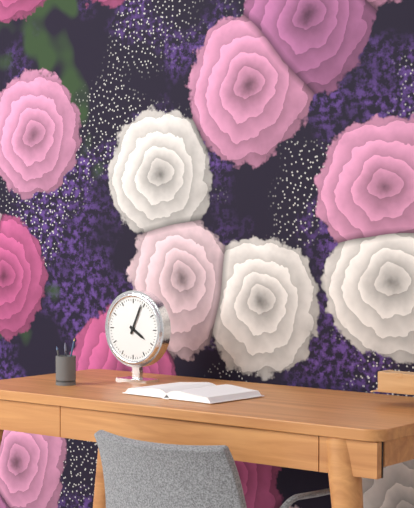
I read 4h04
